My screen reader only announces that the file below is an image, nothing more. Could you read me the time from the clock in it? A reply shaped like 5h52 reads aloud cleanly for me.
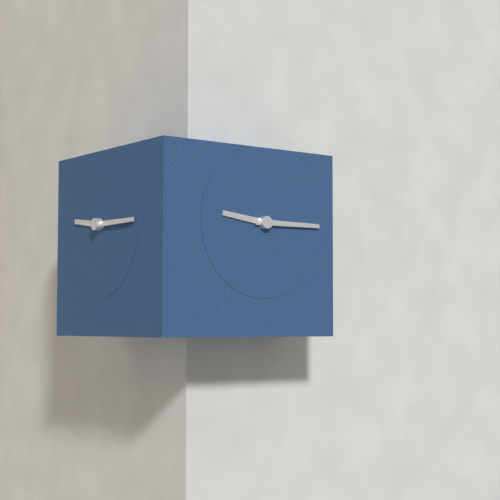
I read 9h15
